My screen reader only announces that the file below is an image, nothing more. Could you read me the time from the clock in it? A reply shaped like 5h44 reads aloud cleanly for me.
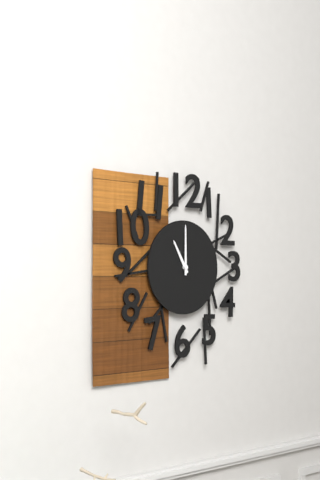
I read 11h00
